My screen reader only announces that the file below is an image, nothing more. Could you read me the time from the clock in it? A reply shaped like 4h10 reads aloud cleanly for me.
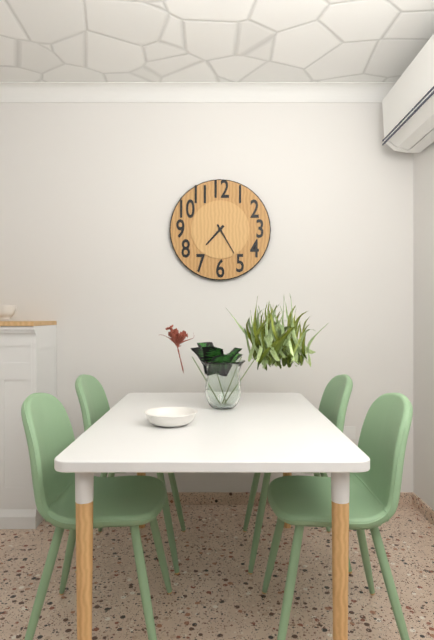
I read 7h25
